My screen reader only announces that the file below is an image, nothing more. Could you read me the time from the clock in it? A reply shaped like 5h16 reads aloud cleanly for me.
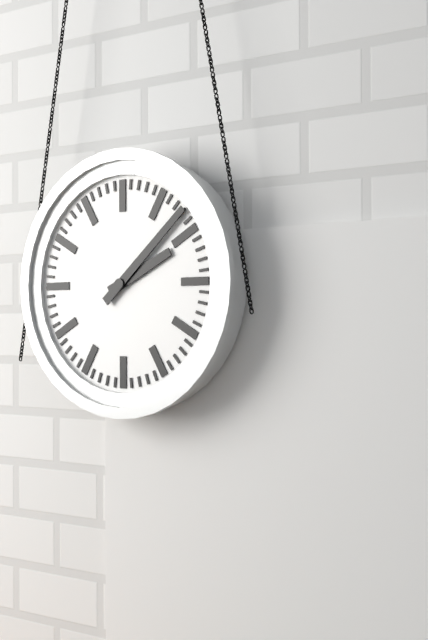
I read 2h08
